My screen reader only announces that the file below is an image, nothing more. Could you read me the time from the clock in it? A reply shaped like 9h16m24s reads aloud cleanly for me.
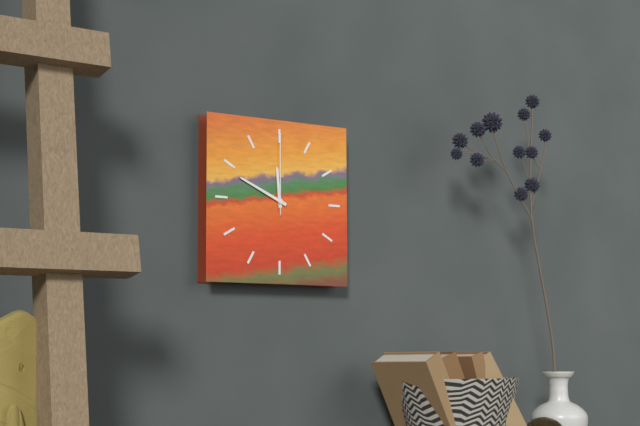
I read 11h49m00s
